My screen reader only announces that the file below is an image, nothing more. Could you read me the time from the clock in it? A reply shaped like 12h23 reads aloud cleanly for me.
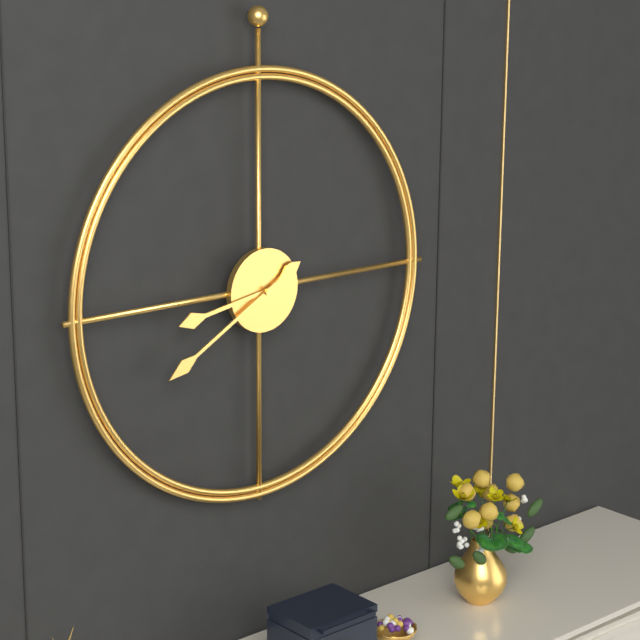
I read 8h40
